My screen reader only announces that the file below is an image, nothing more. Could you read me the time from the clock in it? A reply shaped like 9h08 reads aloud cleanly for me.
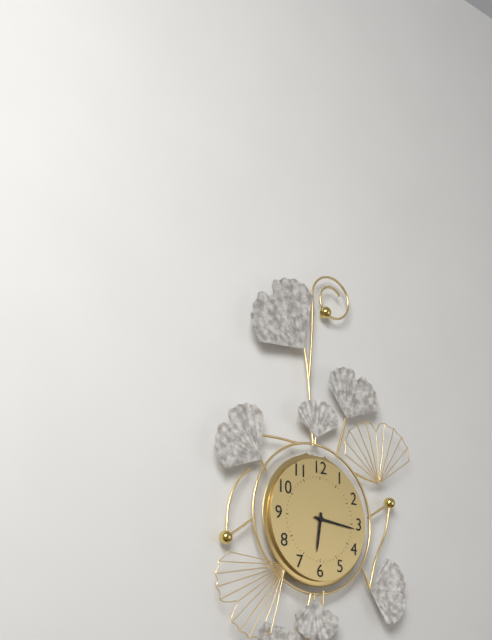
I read 6h16
